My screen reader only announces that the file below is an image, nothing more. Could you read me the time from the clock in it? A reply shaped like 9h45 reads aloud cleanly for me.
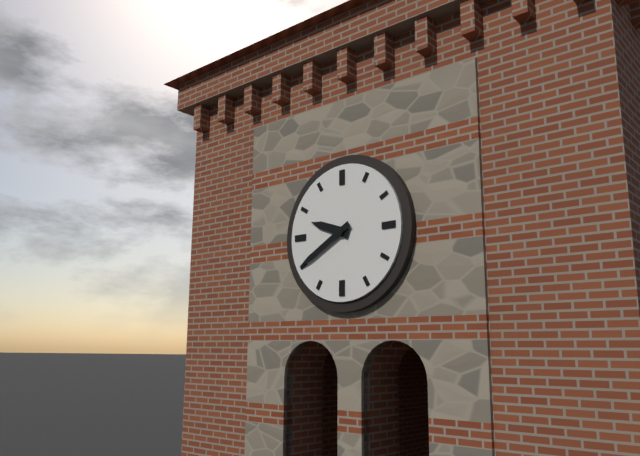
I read 9h40
